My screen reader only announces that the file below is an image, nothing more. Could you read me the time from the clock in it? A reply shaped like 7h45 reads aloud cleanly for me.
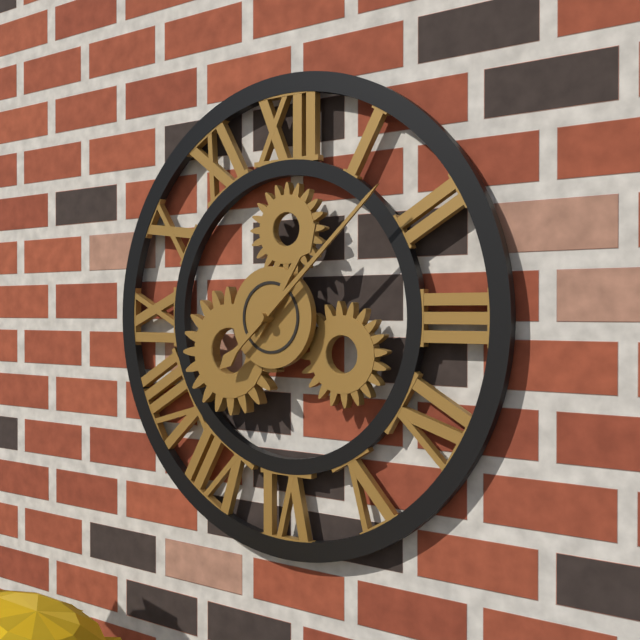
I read 1h08
